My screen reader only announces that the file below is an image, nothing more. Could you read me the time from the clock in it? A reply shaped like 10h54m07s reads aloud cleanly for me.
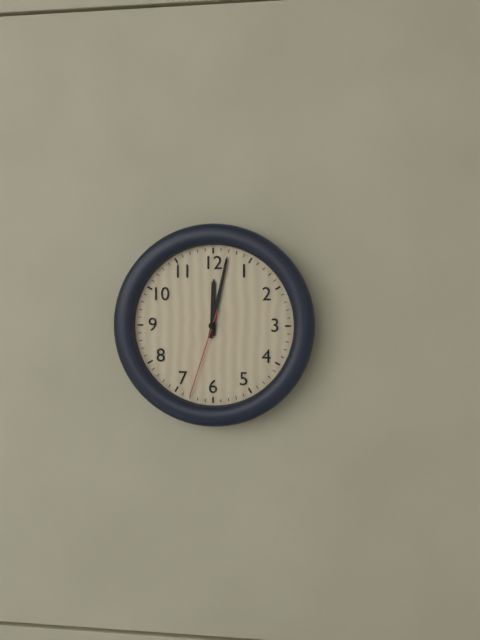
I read 12h02m33s
